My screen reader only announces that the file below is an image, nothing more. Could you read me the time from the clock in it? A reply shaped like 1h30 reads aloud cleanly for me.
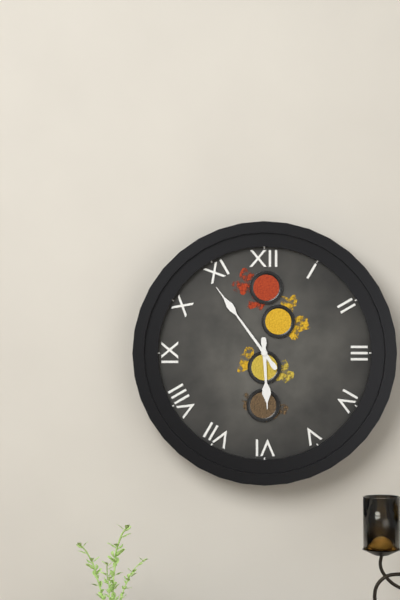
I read 5h54
